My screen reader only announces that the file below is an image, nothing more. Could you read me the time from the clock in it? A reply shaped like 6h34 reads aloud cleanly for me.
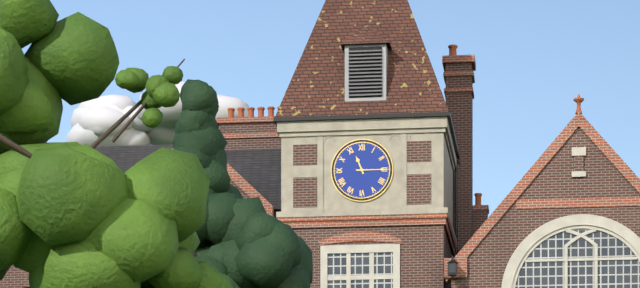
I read 11h15
